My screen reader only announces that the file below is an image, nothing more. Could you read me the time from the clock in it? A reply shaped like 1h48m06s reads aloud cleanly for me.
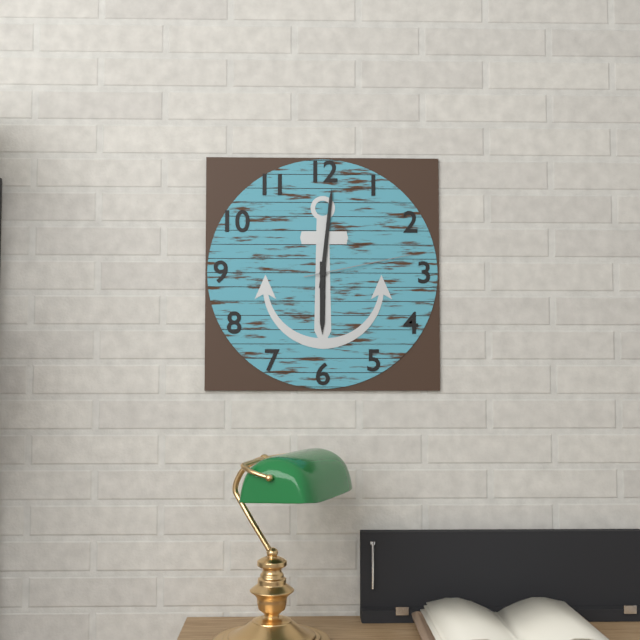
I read 6h01m13s
